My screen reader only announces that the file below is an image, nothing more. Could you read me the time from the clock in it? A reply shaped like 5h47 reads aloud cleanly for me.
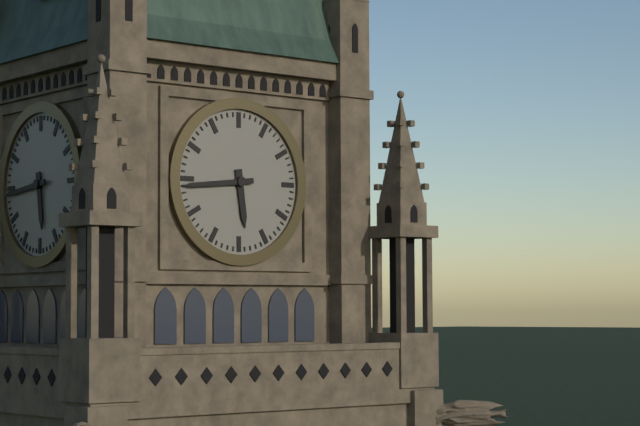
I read 5h44
